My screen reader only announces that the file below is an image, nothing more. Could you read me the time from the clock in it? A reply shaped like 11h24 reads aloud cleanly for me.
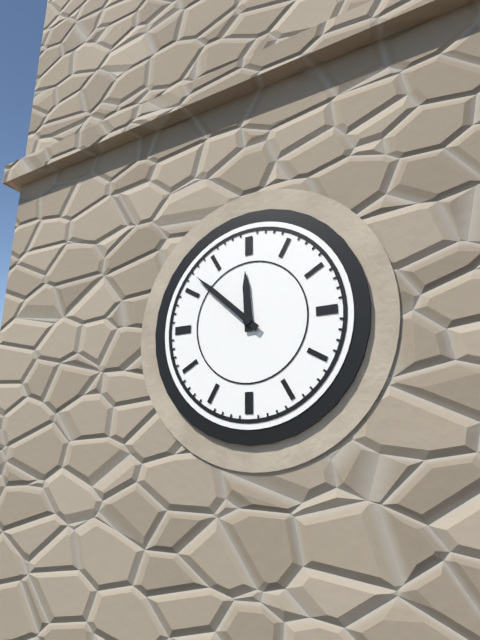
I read 11h52
